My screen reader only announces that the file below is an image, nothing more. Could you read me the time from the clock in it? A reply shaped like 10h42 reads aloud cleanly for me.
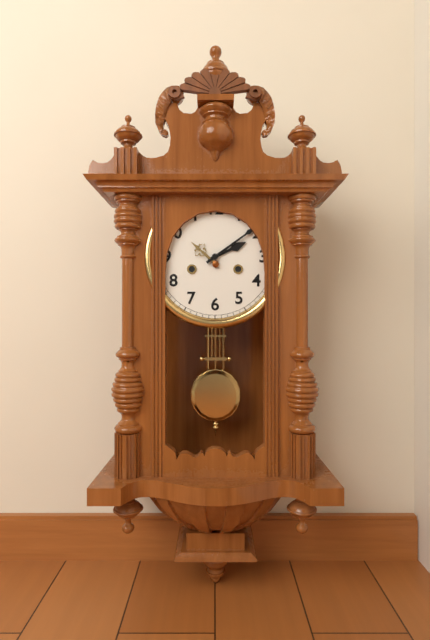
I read 2h09
